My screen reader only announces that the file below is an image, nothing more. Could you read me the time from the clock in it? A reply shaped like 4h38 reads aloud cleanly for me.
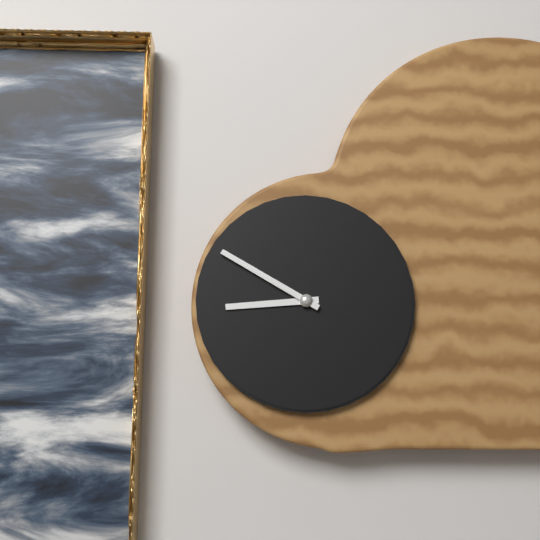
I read 8h50
